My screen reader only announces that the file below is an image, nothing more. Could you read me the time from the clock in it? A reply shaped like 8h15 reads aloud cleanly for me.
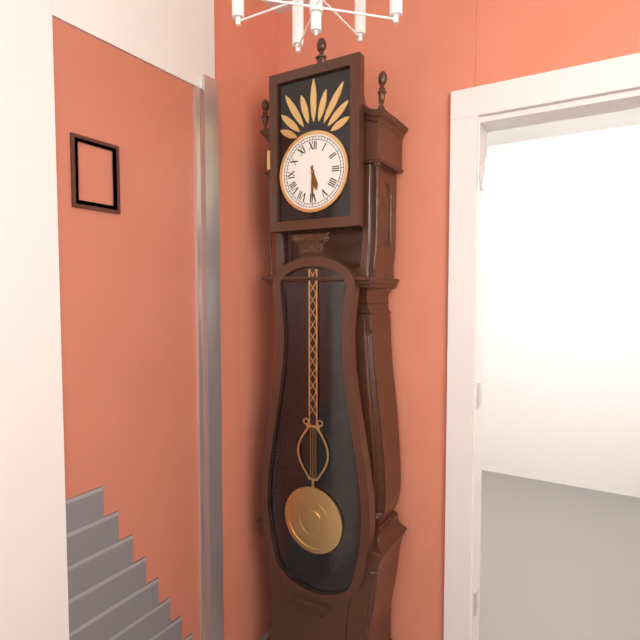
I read 5h30
